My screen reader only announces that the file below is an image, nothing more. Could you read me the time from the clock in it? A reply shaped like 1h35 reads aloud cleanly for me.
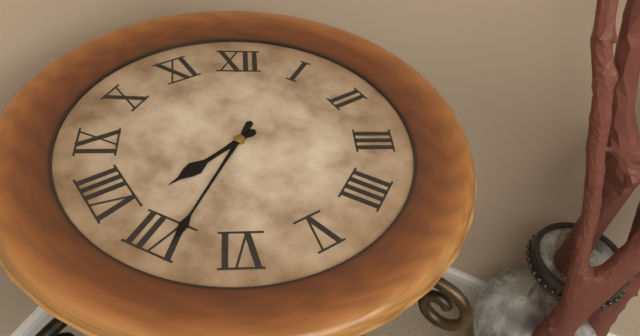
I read 7h34
